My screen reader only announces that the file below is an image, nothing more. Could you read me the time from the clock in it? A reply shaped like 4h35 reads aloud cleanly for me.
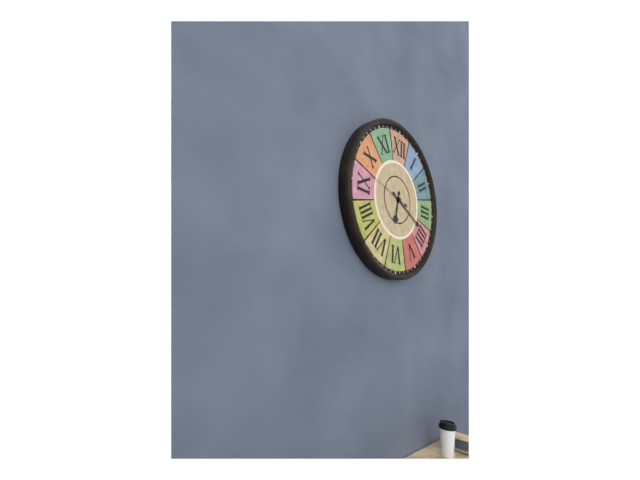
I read 6h19
